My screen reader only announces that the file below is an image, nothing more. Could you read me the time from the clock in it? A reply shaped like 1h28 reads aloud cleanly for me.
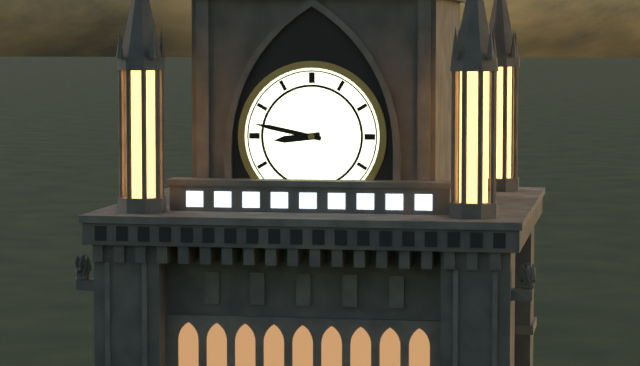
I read 8h47
